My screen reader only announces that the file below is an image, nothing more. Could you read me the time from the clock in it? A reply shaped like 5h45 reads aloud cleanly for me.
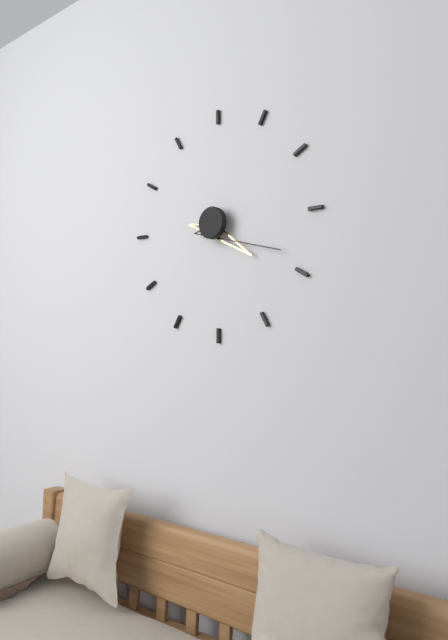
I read 4h19
